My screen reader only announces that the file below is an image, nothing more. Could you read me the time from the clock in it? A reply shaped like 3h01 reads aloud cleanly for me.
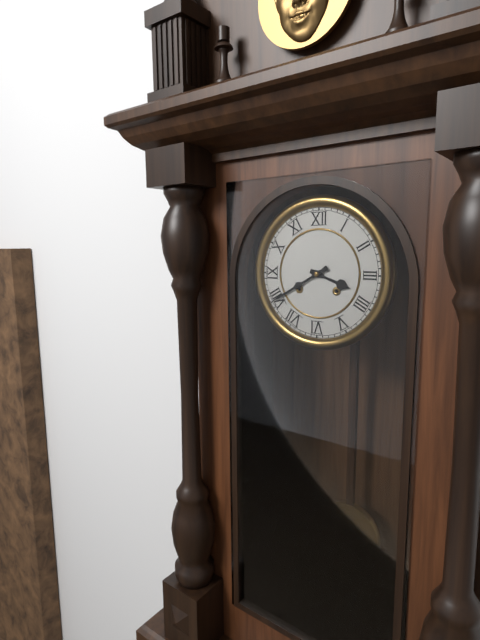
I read 3h40
